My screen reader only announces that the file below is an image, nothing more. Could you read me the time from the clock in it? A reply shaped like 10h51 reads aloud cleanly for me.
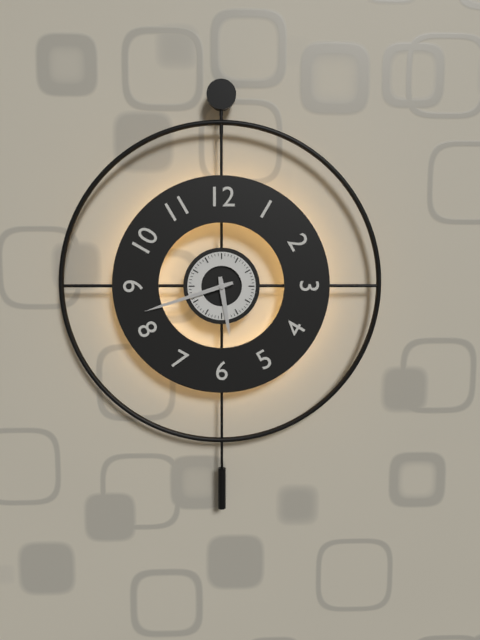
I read 5h42
